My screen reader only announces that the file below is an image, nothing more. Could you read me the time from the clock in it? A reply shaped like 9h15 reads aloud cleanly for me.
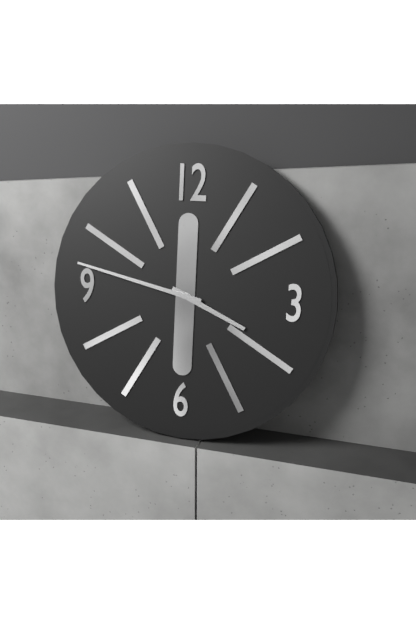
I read 3h47
